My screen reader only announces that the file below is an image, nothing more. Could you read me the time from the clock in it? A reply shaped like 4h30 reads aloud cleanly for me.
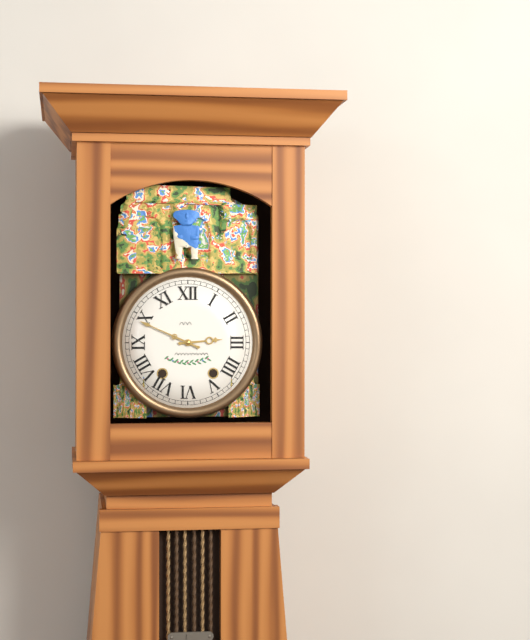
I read 2h49
